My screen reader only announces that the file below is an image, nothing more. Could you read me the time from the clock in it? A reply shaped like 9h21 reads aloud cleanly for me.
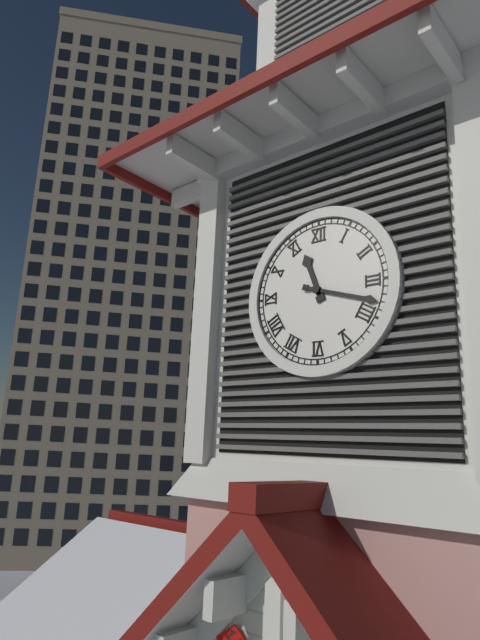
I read 11h18
